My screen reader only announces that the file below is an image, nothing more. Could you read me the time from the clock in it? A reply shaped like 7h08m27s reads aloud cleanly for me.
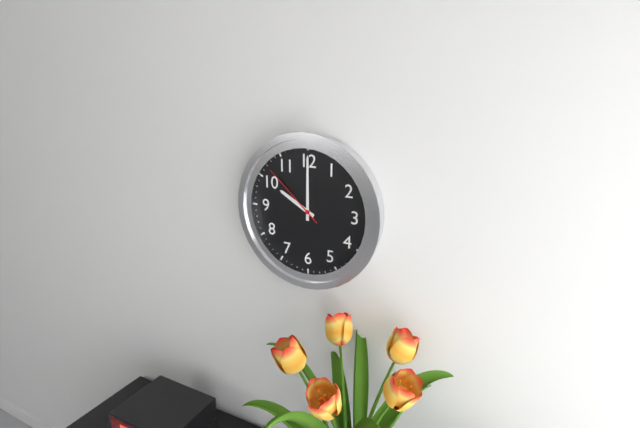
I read 10h00m52s
